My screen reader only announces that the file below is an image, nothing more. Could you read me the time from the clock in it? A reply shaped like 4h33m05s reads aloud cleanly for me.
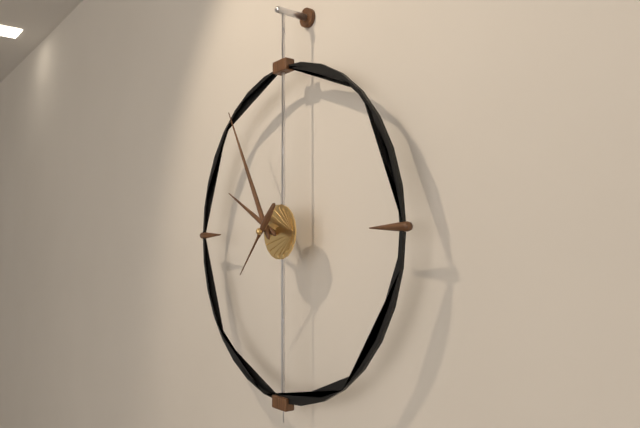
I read 9h55m37s
